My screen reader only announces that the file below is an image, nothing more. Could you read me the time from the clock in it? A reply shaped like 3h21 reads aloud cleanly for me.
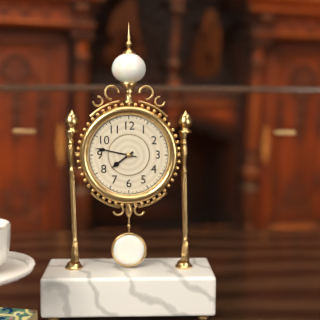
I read 7h47
